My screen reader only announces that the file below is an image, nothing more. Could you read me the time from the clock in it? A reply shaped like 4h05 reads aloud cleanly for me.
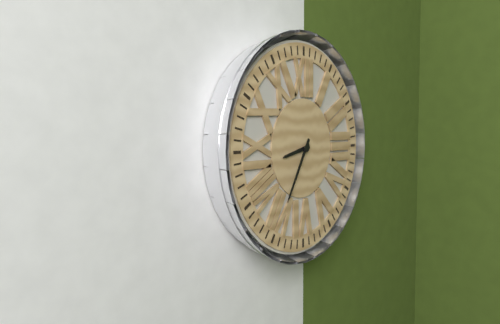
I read 8h35
